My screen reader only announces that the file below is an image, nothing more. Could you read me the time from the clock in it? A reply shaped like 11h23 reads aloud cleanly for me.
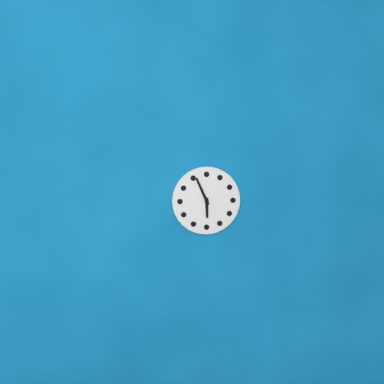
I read 5h56
